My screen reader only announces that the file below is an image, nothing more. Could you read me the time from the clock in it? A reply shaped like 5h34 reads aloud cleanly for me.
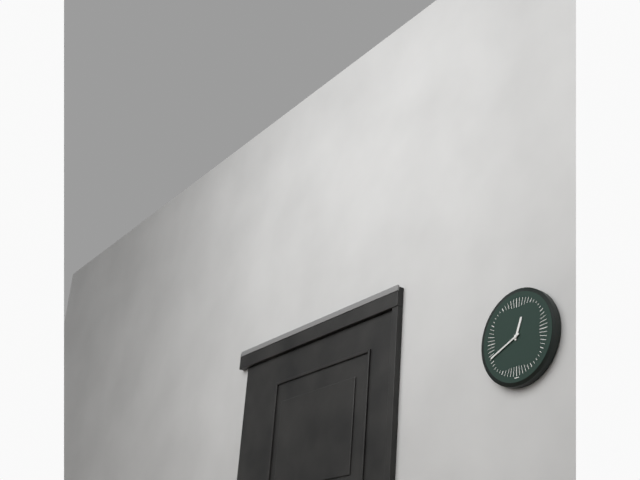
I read 12h41
